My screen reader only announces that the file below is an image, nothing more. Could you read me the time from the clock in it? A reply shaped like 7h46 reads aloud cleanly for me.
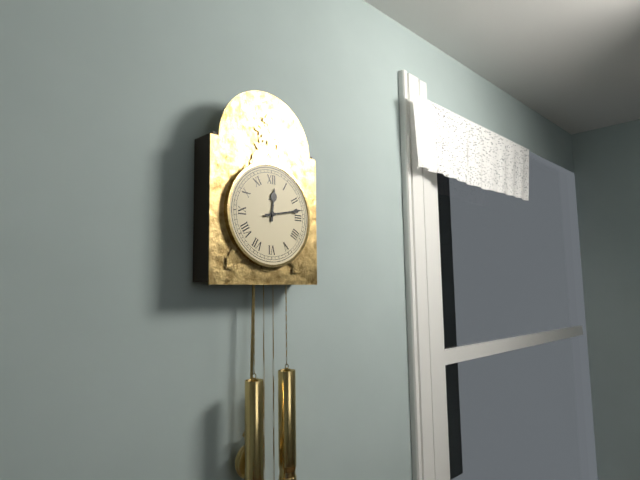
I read 12h13
